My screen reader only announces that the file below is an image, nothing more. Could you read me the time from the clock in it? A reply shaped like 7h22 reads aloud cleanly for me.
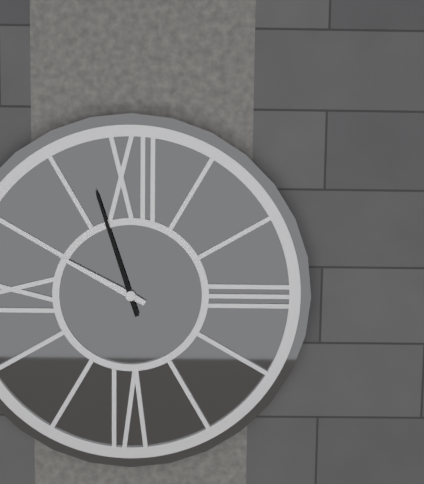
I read 9h57
